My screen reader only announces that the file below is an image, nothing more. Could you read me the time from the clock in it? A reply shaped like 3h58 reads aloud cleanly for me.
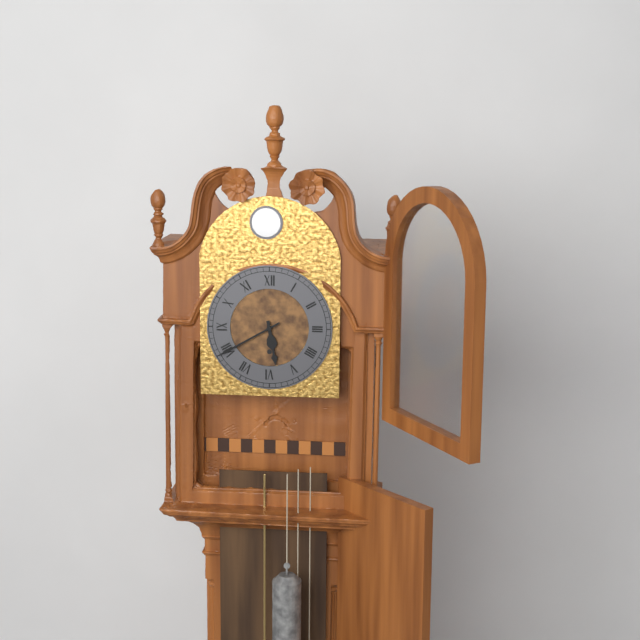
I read 5h40
